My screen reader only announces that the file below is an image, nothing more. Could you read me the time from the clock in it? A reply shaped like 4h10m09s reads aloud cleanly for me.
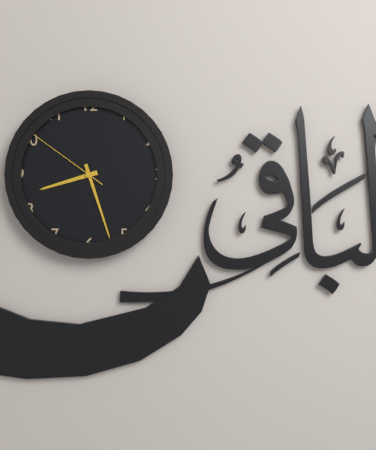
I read 8h27m51s
